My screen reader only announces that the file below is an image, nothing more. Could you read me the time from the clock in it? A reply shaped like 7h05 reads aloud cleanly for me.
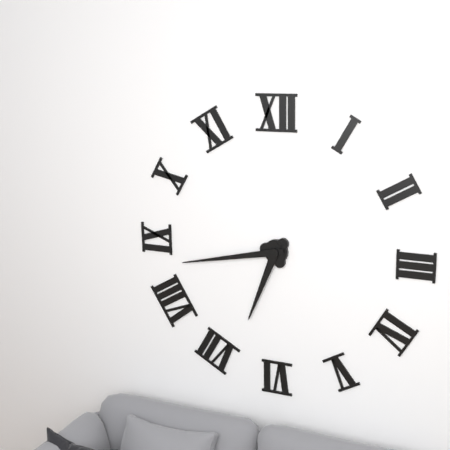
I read 6h43
